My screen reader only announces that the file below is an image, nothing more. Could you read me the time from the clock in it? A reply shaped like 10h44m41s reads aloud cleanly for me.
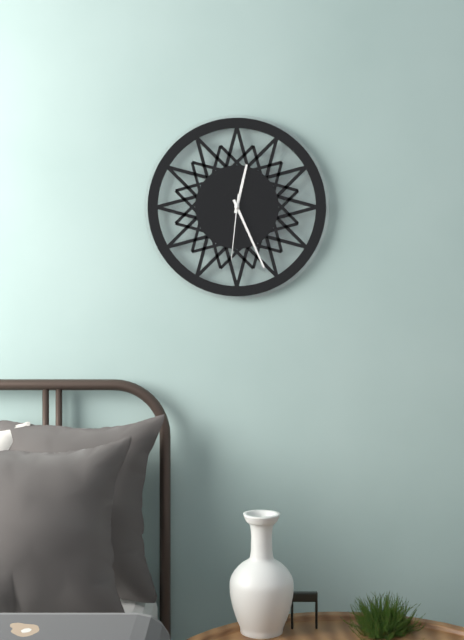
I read 12h26m31s
